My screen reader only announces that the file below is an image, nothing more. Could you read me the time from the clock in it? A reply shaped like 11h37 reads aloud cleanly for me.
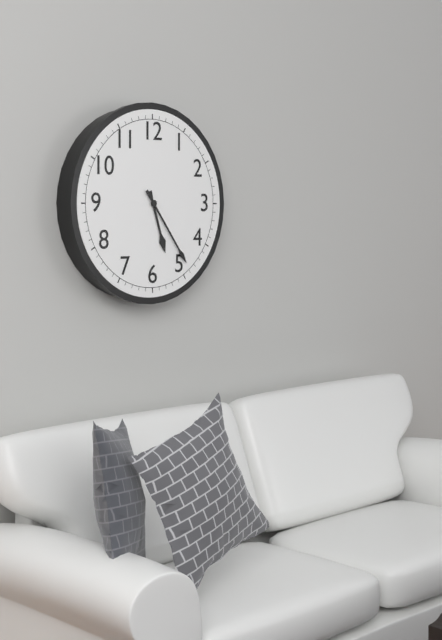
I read 5h24
